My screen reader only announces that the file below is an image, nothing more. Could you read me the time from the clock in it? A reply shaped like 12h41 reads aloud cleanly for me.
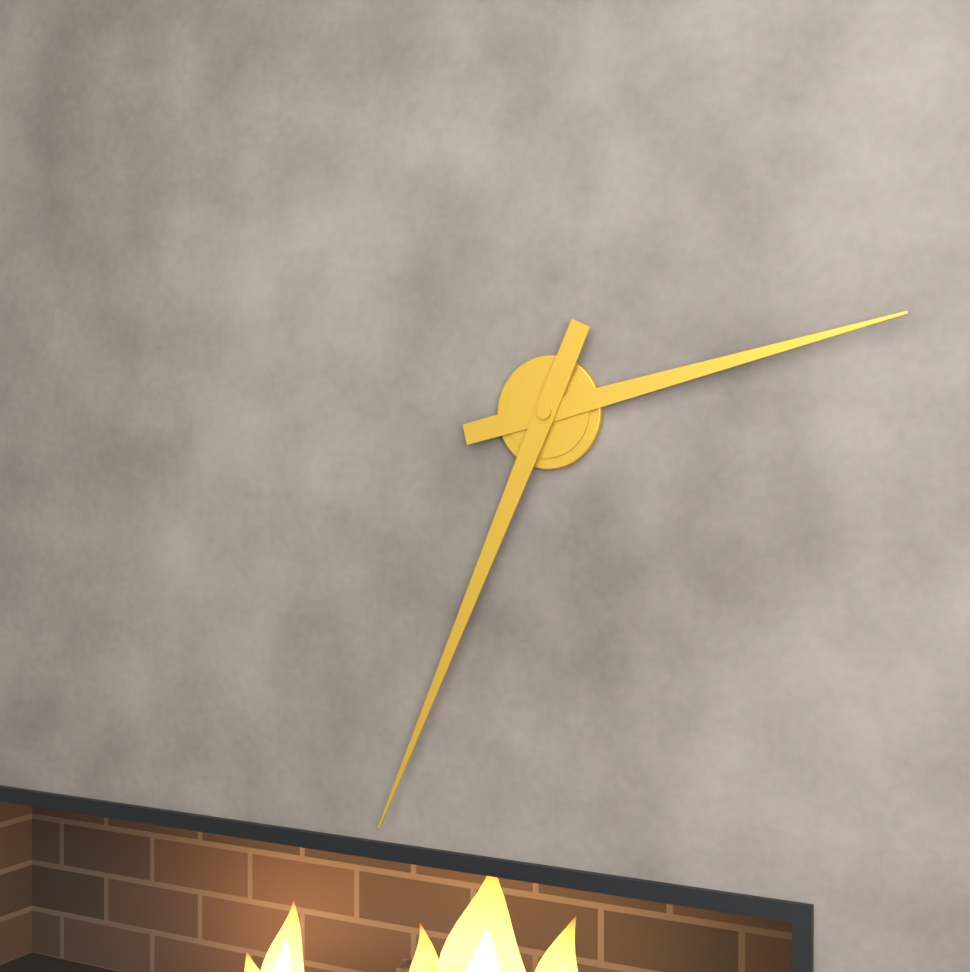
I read 2h34
